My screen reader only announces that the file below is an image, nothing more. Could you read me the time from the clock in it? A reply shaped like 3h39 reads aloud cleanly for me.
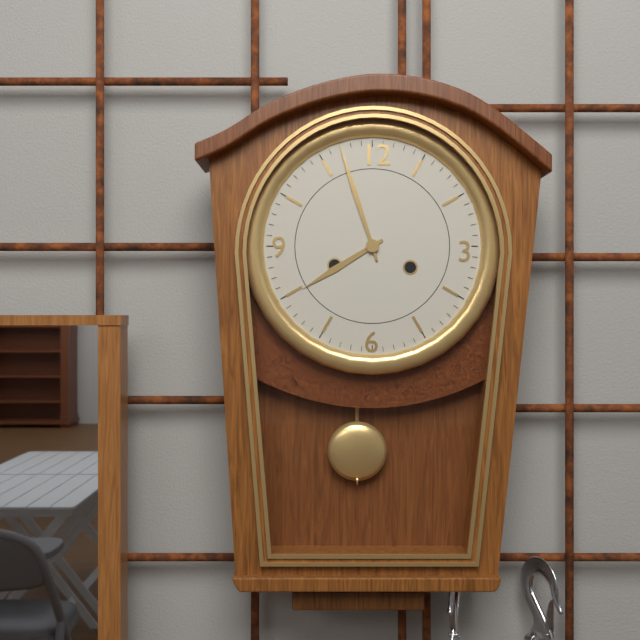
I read 7h57
